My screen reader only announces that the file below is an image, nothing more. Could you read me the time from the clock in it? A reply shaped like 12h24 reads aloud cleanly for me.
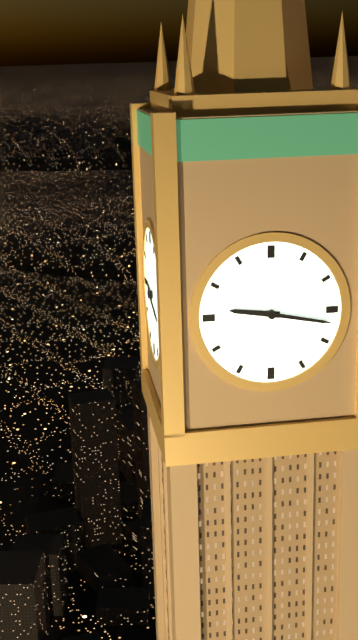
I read 9h17
